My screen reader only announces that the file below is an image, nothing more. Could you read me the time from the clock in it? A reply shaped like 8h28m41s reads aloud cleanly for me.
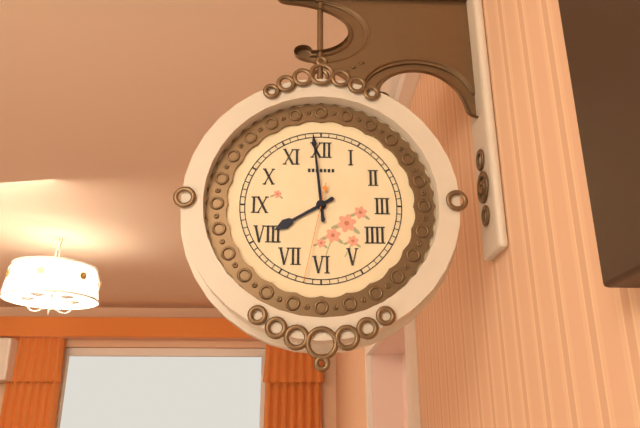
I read 7h59m32s
